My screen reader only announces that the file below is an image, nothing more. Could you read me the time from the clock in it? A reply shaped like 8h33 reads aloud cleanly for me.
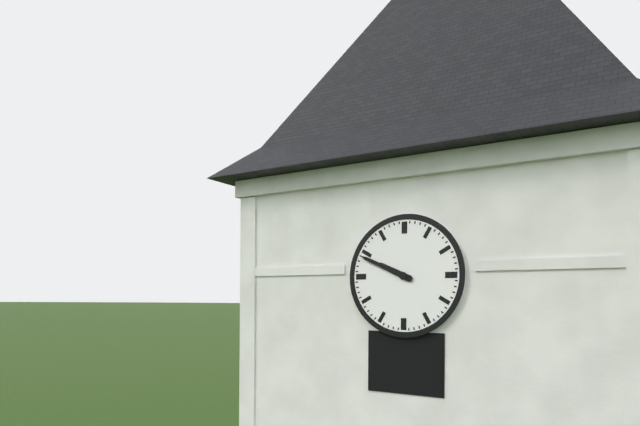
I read 9h49
